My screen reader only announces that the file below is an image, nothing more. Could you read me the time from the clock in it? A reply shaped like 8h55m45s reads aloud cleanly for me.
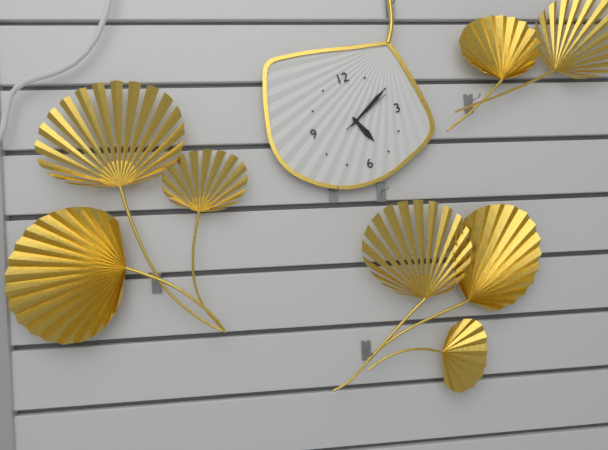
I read 5h10m11s
